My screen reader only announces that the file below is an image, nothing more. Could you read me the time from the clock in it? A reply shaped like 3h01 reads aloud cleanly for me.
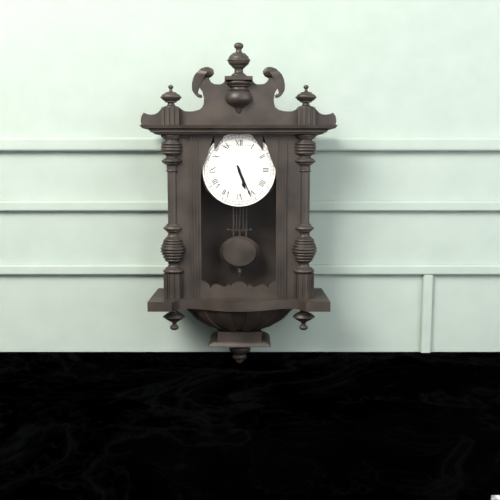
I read 5h26
